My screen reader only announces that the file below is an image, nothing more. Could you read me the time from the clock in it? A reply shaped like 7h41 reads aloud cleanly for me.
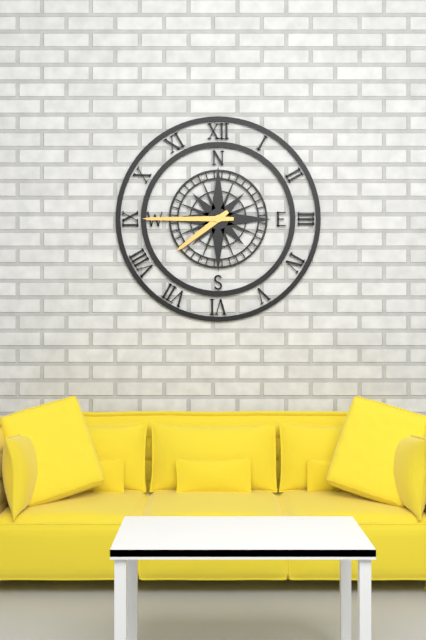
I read 7h45
